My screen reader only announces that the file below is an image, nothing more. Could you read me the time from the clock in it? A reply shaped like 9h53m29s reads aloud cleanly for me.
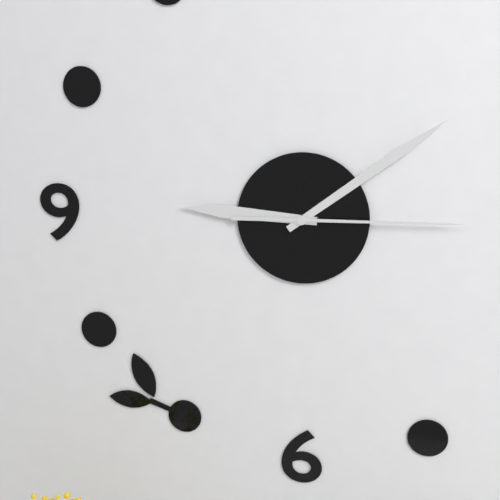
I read 9h09m15s
